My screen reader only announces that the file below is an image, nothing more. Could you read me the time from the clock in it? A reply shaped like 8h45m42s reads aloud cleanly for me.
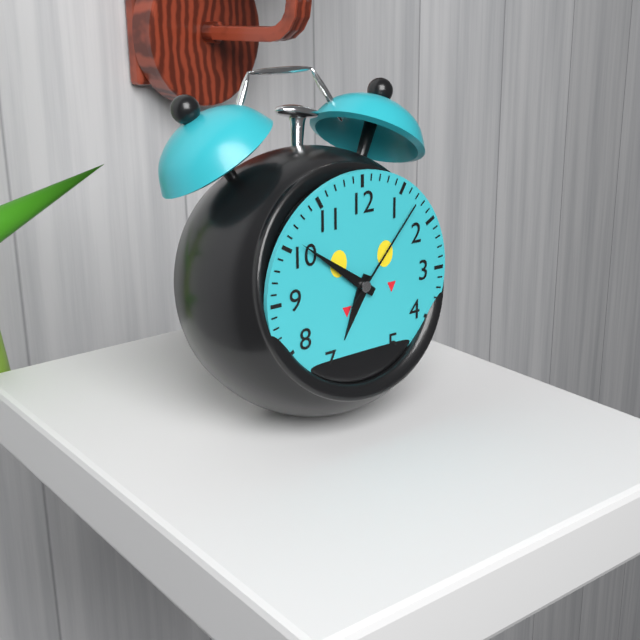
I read 6h51m07s
